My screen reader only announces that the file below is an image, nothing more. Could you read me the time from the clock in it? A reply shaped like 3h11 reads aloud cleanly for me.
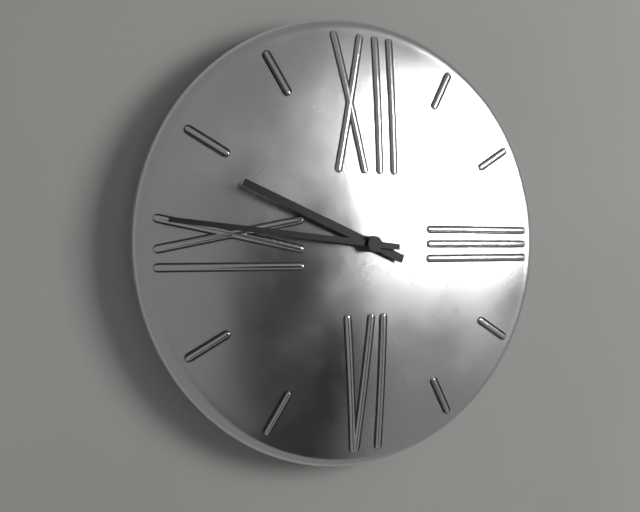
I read 9h46
